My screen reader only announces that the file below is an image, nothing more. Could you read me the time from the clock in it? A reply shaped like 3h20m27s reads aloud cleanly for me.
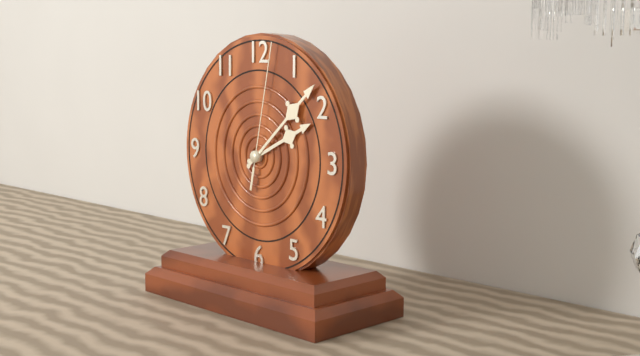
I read 2h08m02s
